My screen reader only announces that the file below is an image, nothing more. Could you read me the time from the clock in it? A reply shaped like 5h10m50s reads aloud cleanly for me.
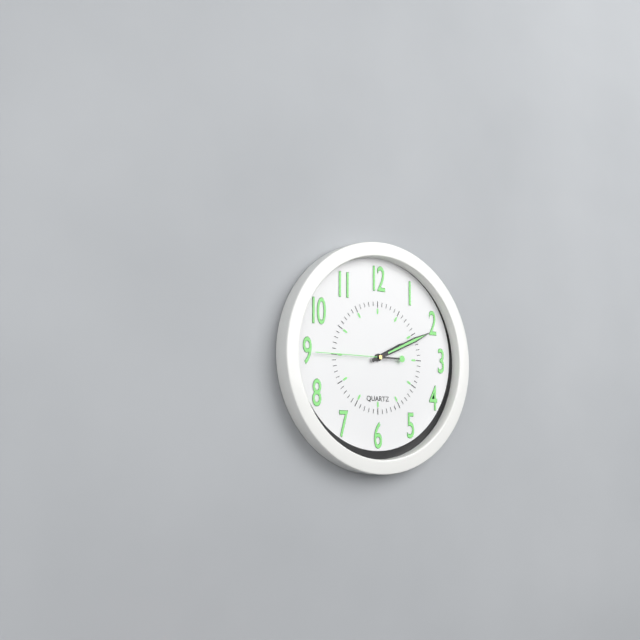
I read 2h11m45s
